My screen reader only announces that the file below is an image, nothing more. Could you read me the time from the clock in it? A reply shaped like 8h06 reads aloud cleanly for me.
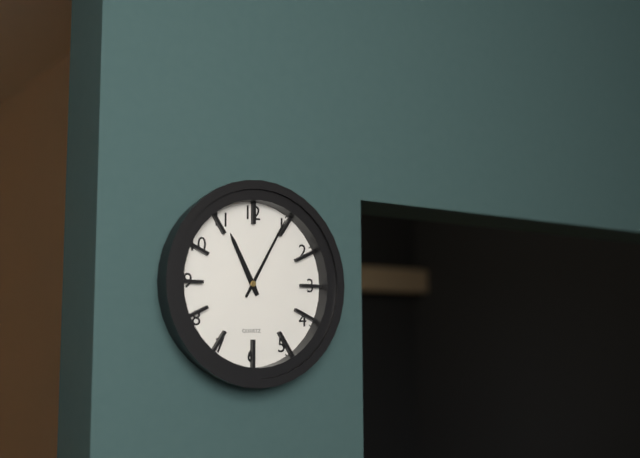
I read 11h05
